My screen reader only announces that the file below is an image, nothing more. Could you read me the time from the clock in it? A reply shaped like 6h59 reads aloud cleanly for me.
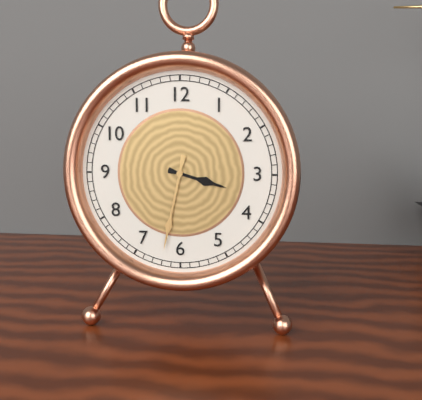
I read 3h32
